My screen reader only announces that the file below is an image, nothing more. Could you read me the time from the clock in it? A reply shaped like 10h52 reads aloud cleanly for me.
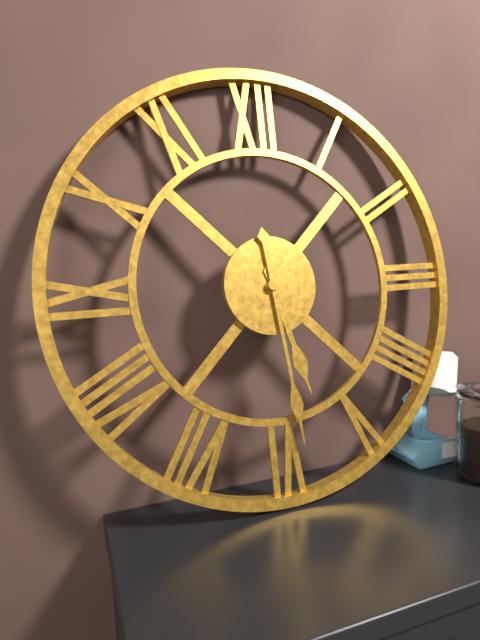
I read 5h29
